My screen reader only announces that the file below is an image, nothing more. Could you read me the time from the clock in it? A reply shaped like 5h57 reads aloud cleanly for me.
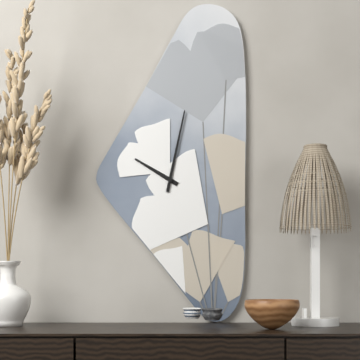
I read 10h02
